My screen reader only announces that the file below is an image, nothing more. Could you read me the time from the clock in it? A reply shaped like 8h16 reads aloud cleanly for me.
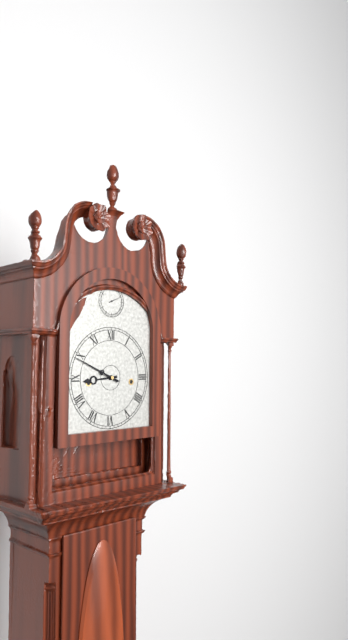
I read 8h49
